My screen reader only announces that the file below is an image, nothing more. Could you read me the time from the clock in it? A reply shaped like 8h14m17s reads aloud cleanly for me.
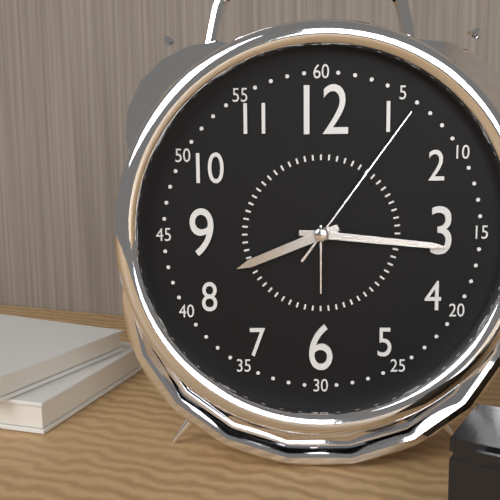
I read 8h16m06s
